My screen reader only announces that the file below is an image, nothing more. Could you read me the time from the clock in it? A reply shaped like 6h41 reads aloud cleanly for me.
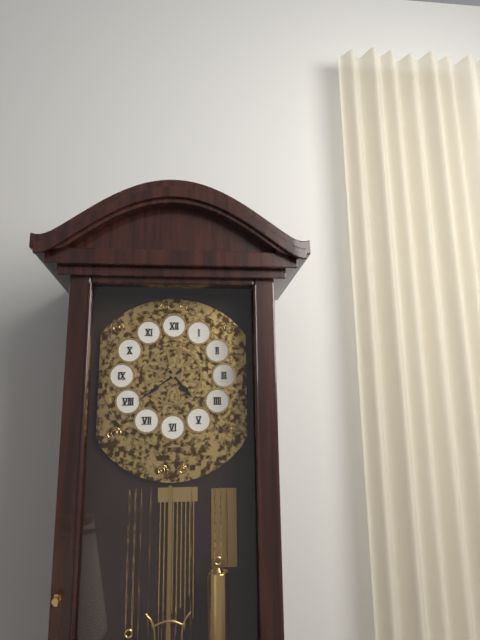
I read 4h39
